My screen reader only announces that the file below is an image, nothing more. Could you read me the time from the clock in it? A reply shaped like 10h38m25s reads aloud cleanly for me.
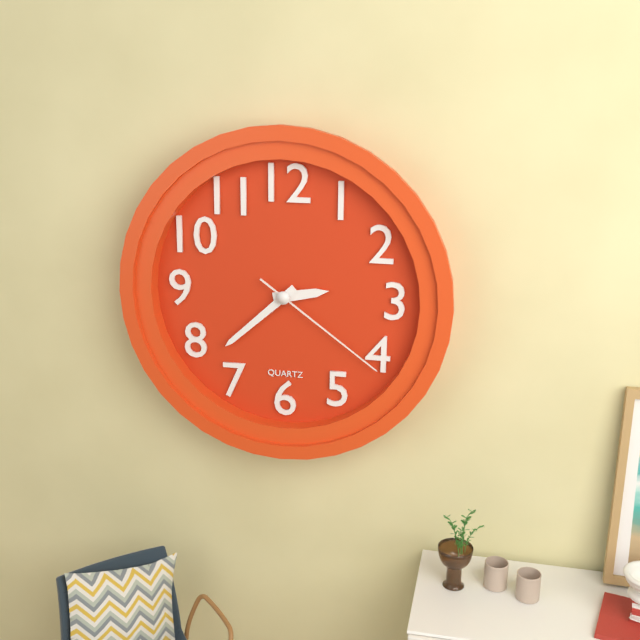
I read 2h38m21s
